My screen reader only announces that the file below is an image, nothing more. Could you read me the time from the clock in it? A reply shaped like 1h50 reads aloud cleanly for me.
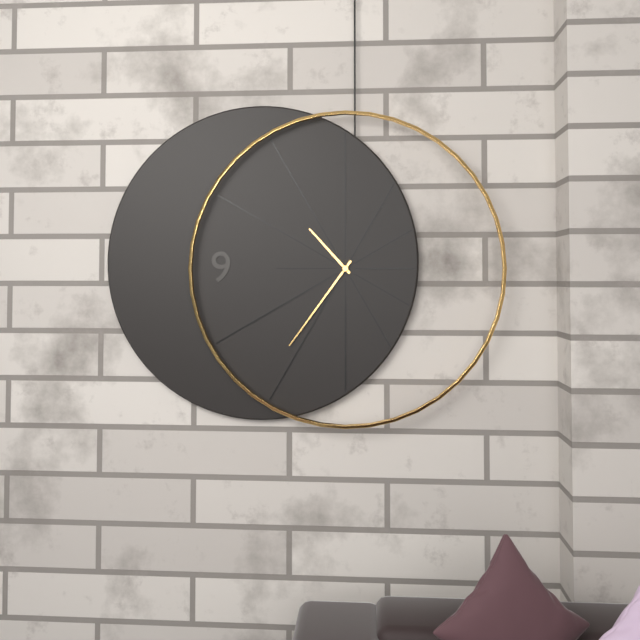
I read 10h36
